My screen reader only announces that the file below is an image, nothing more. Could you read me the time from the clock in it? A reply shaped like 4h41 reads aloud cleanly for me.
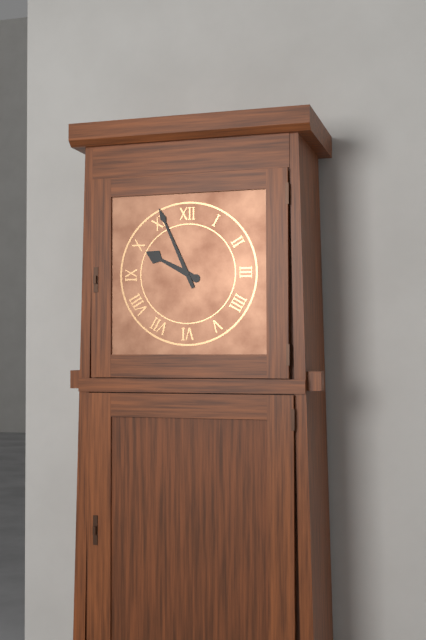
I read 9h56
